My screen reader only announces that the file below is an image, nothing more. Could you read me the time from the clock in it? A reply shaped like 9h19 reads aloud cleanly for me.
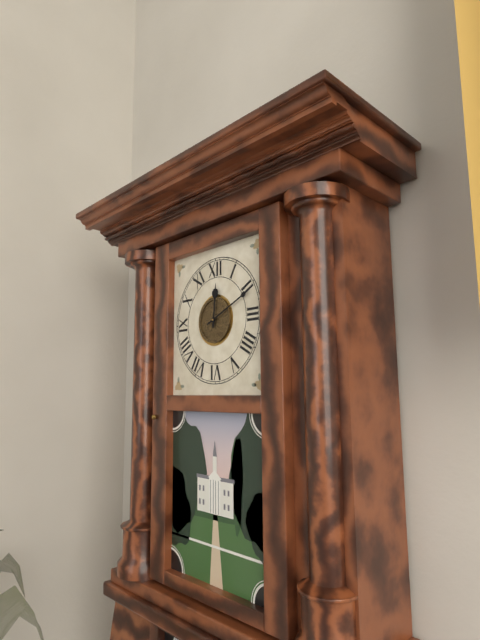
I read 12h11
